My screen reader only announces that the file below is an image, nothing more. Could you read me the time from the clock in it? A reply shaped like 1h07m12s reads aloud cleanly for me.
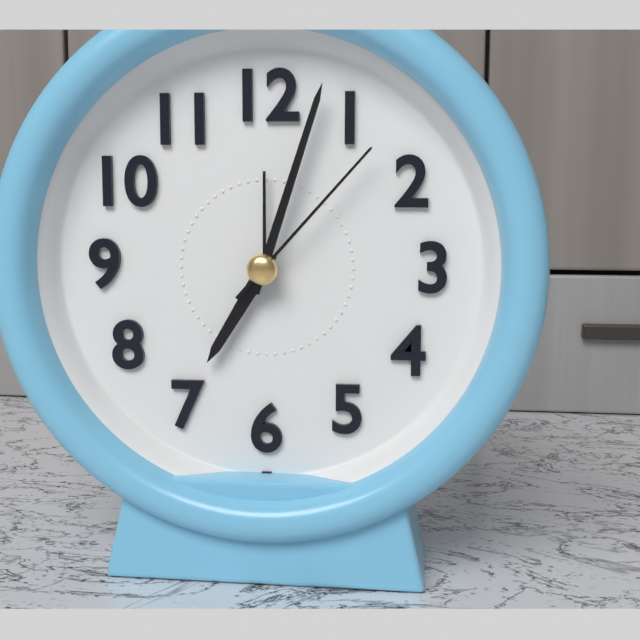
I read 7h03m07s
